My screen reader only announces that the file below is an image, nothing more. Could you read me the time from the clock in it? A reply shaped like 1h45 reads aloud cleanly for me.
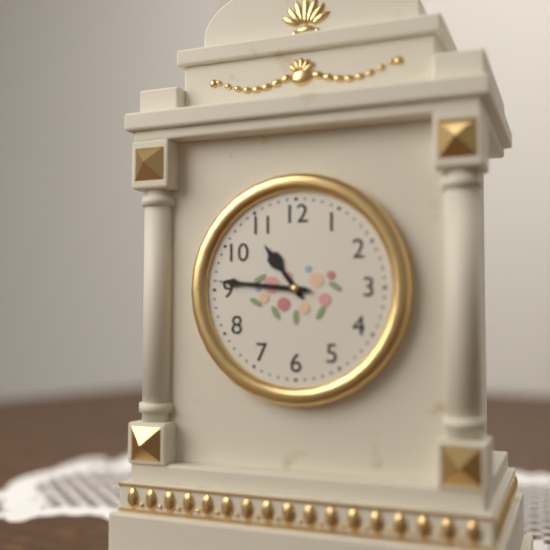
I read 10h46
